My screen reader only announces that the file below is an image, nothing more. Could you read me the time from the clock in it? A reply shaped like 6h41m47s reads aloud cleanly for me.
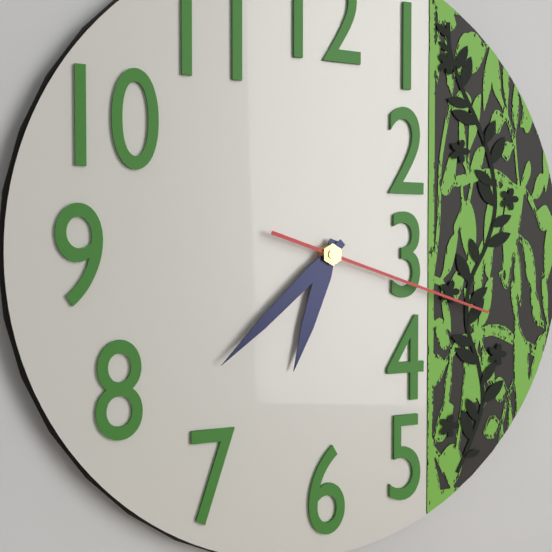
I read 6h38m18s
